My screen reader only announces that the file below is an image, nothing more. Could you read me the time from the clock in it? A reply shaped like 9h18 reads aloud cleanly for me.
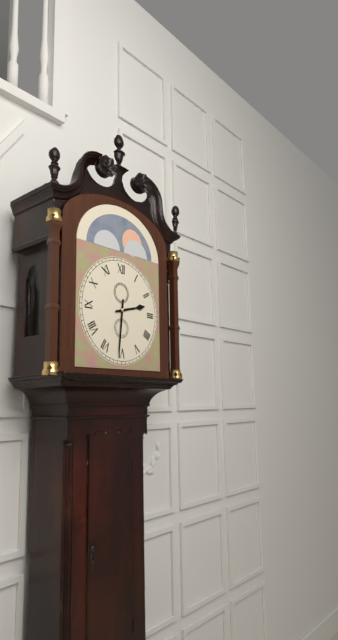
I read 2h31
